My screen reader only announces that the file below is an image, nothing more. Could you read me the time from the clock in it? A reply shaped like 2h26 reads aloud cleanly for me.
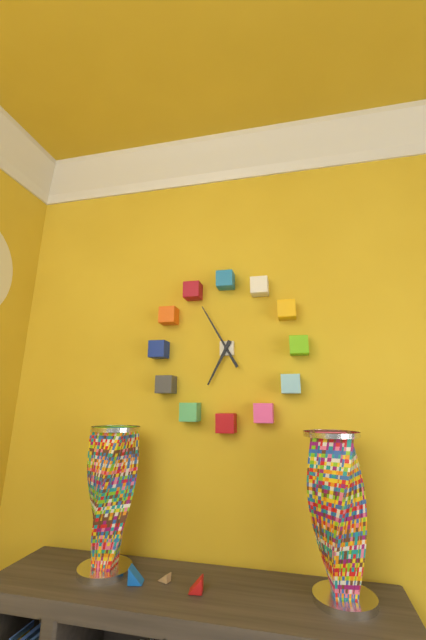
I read 6h55
